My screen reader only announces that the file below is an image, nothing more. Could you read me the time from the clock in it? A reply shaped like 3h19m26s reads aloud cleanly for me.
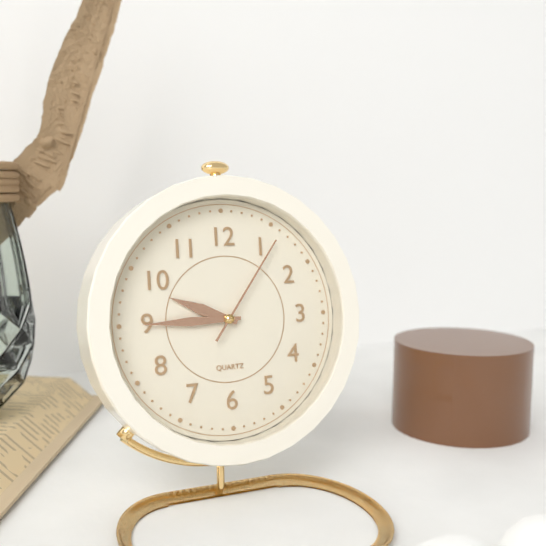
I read 9h45m06s
